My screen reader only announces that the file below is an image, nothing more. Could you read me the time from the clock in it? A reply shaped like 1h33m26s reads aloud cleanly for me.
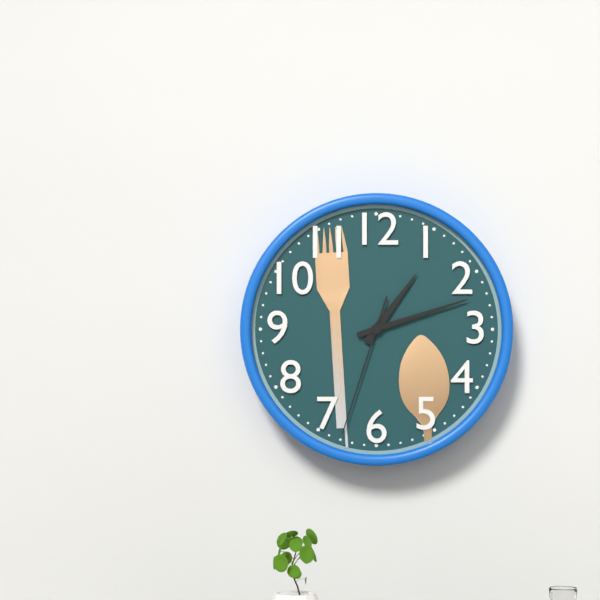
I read 1h12m33s
